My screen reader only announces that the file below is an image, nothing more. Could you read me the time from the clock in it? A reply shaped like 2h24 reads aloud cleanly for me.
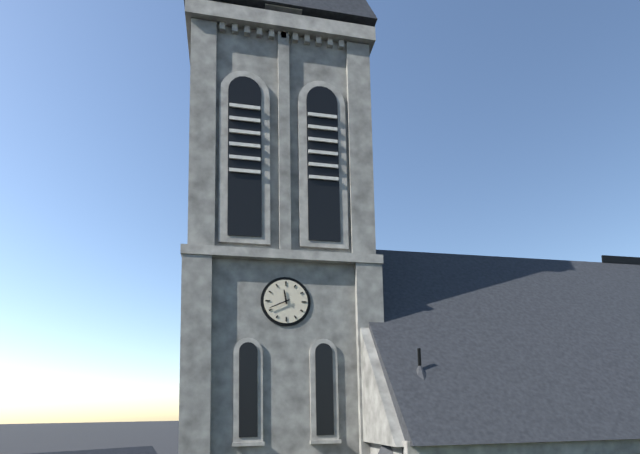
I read 11h41
